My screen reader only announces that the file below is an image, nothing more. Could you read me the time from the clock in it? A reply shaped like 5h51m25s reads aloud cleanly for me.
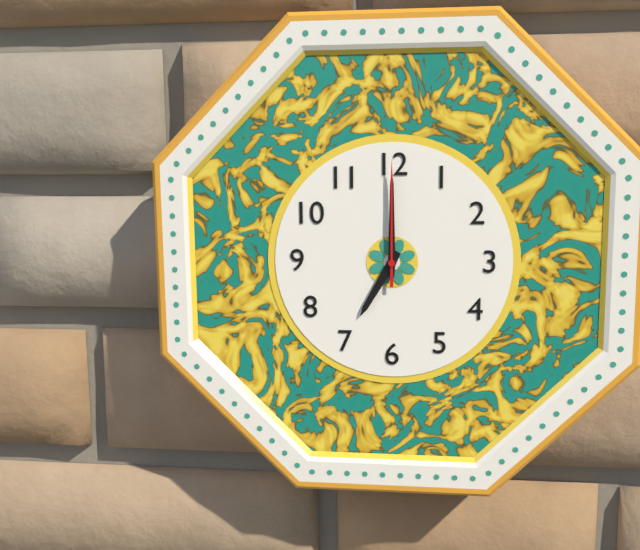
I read 7h00m00s
